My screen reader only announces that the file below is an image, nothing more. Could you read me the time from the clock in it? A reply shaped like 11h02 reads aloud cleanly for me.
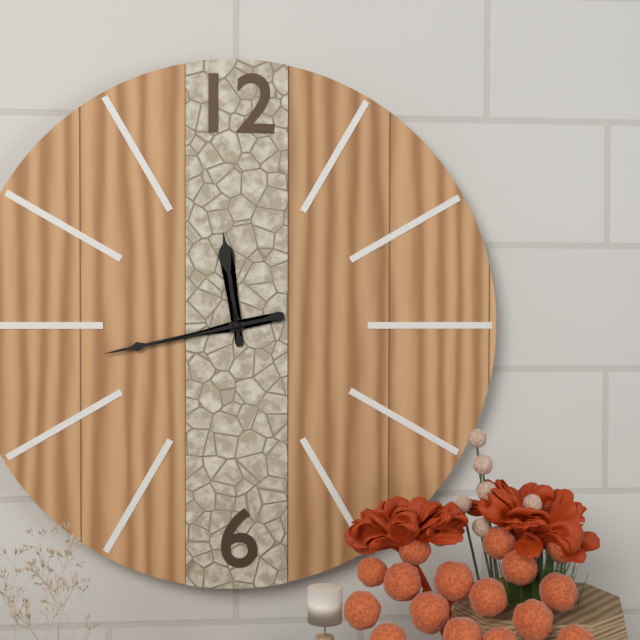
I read 11h43
